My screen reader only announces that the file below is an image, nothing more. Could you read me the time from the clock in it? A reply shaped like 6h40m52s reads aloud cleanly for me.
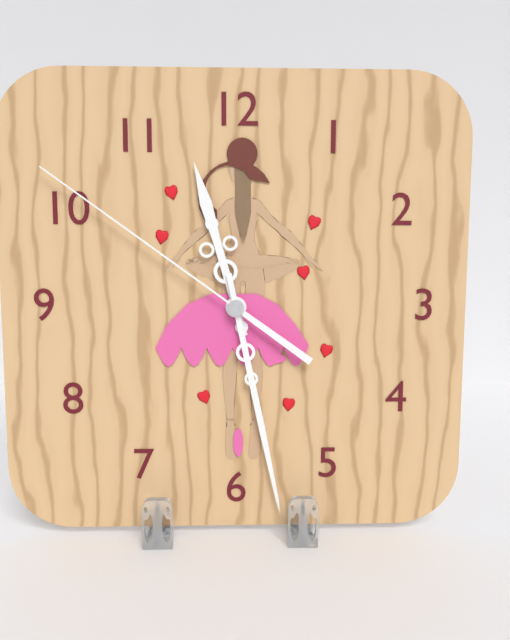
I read 11h28m51s
